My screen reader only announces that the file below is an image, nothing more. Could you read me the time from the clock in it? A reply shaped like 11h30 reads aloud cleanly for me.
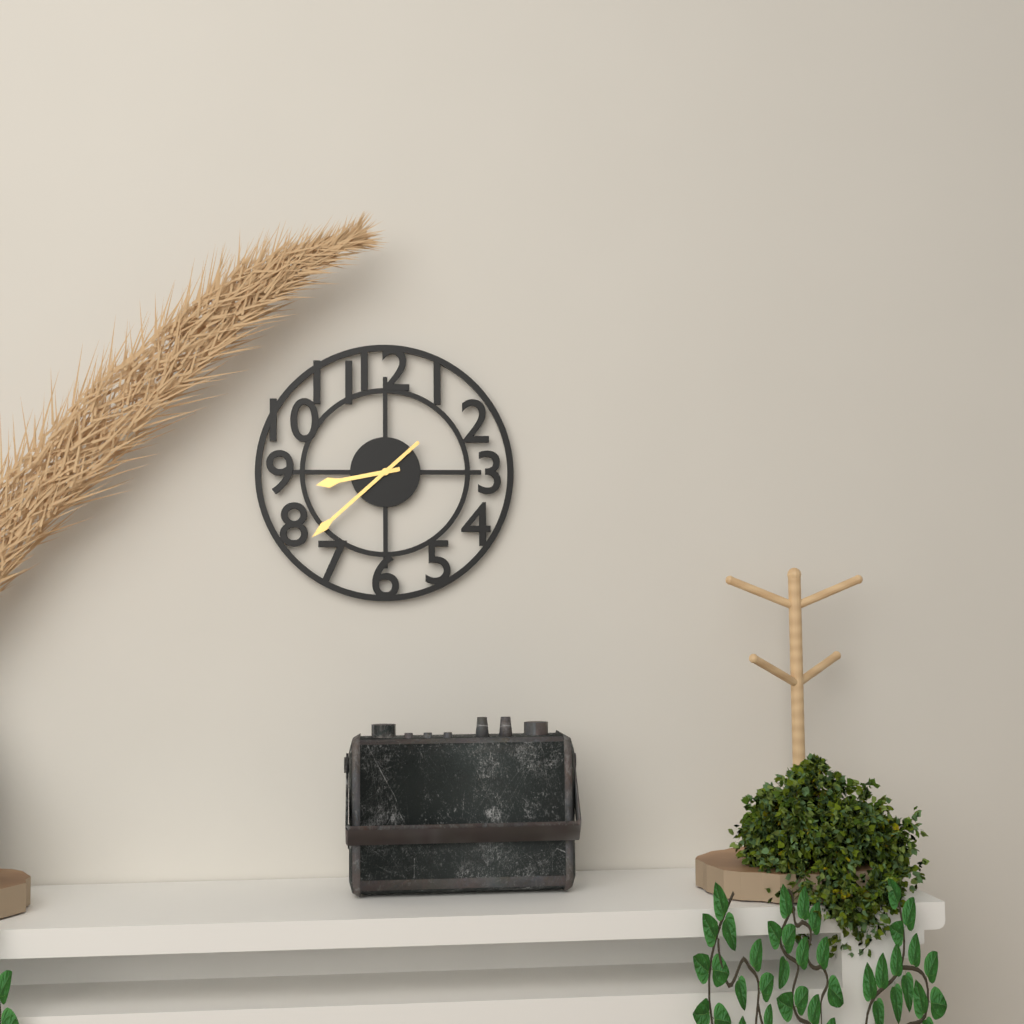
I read 8h38
